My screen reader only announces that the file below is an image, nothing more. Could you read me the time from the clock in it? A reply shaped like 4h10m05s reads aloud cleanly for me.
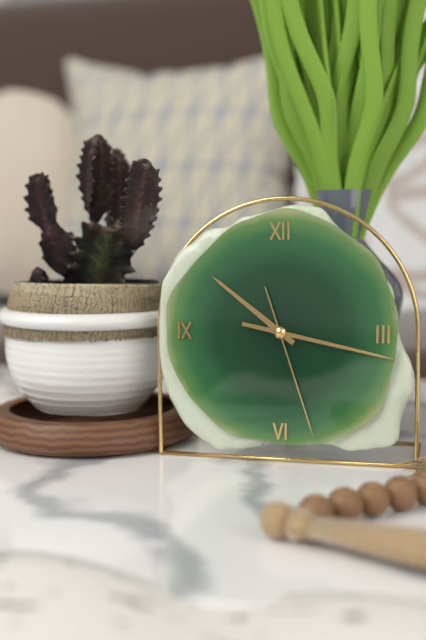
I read 10h17m27s
